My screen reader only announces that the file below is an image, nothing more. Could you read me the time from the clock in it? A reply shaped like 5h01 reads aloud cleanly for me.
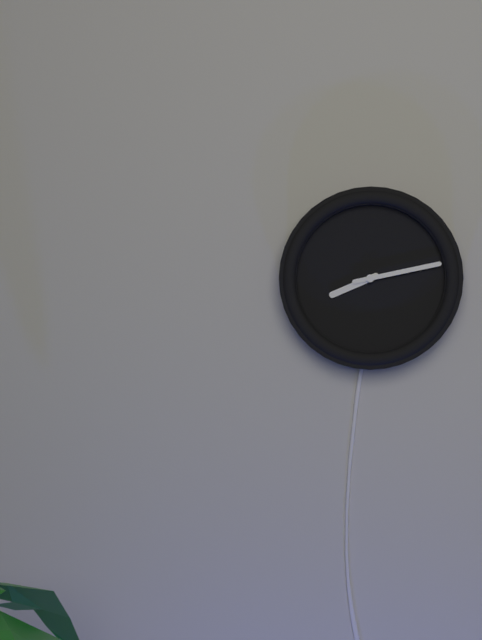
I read 8h13
